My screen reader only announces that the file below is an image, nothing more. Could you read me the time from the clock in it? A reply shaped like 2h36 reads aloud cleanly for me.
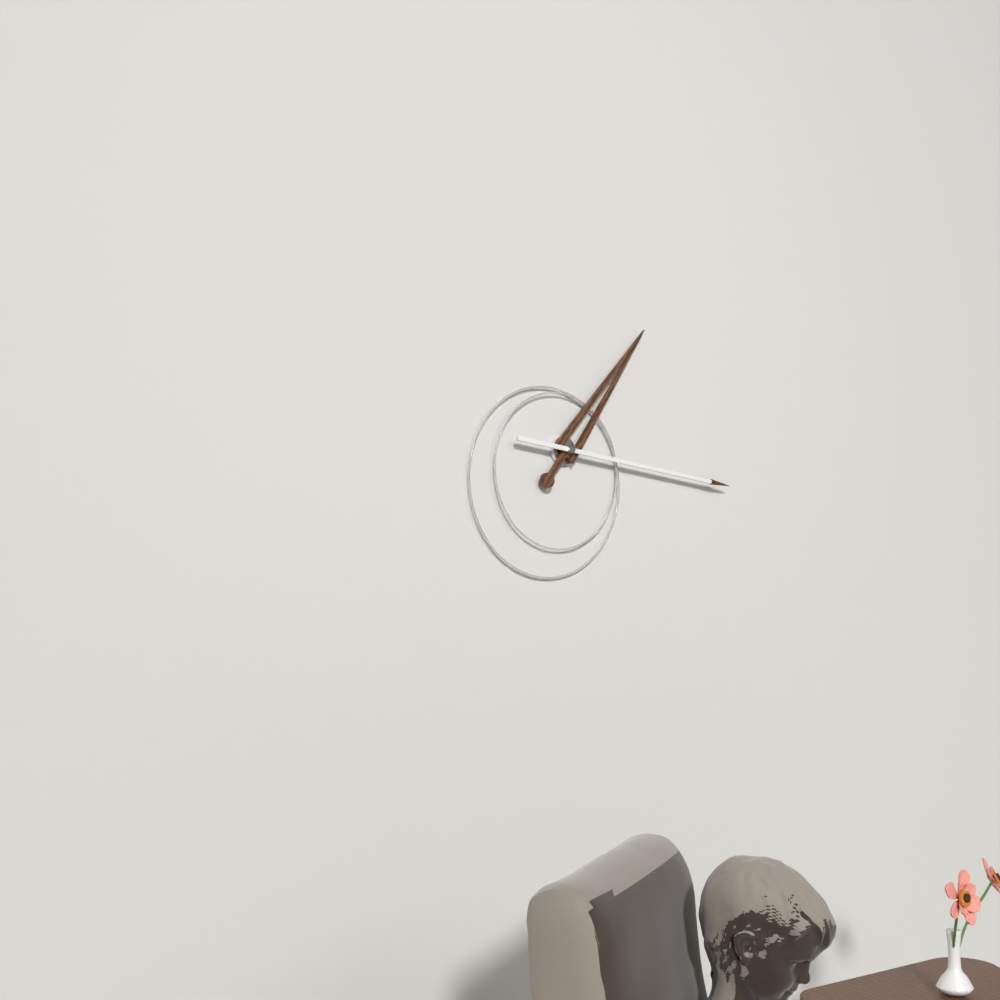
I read 1h16
